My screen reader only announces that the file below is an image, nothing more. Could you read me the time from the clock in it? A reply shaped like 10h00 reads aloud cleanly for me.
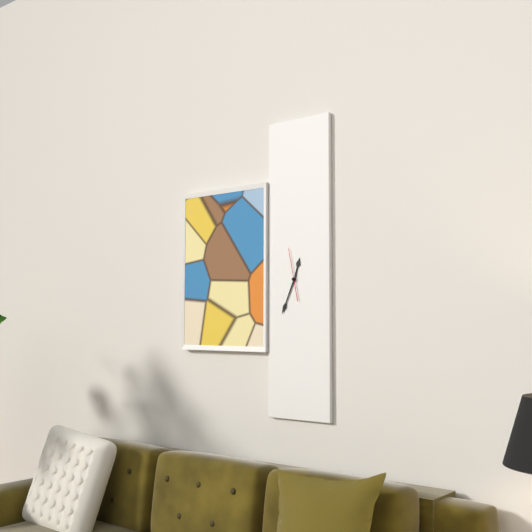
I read 12h34
